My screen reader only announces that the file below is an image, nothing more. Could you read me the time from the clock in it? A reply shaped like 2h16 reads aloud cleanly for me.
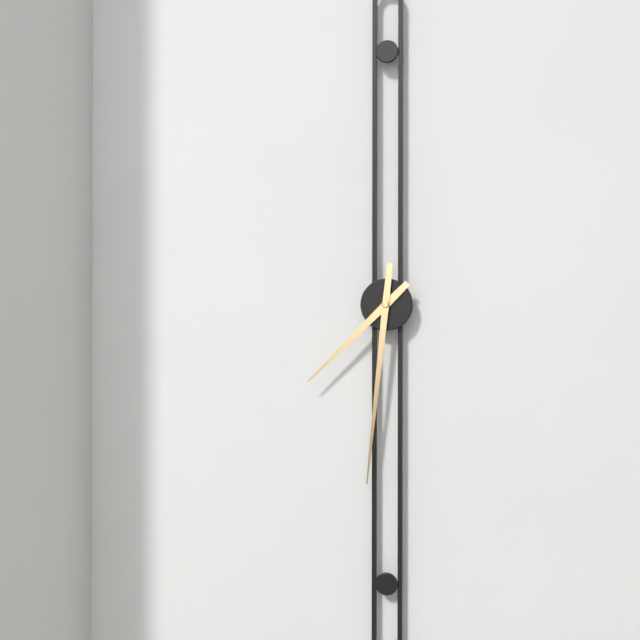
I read 7h31
